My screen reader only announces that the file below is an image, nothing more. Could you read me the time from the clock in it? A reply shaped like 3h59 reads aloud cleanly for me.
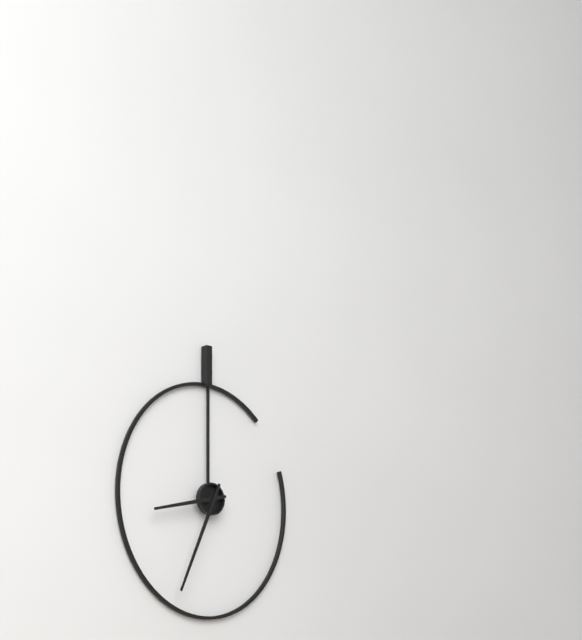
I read 8h34
